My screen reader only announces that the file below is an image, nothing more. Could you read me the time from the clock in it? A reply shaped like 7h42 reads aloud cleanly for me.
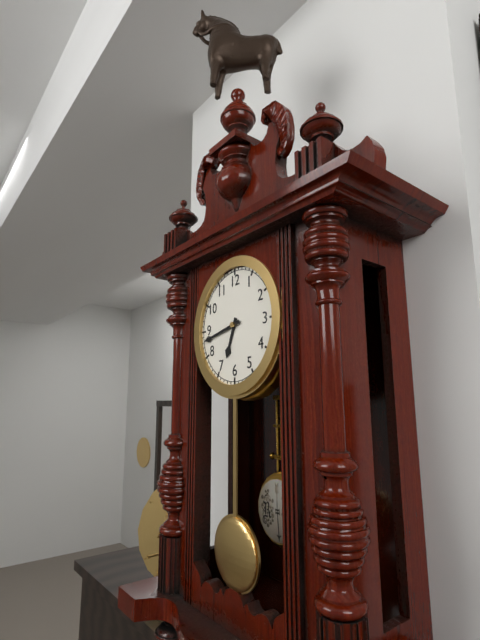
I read 6h43
